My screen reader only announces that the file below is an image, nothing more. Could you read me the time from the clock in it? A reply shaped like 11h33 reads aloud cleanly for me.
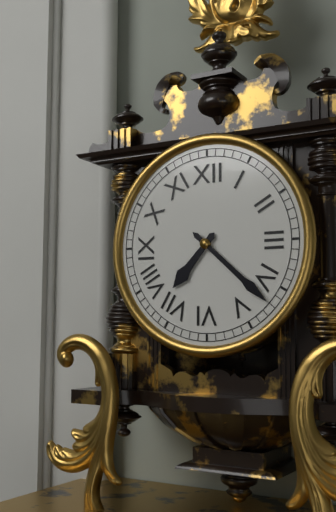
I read 7h22
